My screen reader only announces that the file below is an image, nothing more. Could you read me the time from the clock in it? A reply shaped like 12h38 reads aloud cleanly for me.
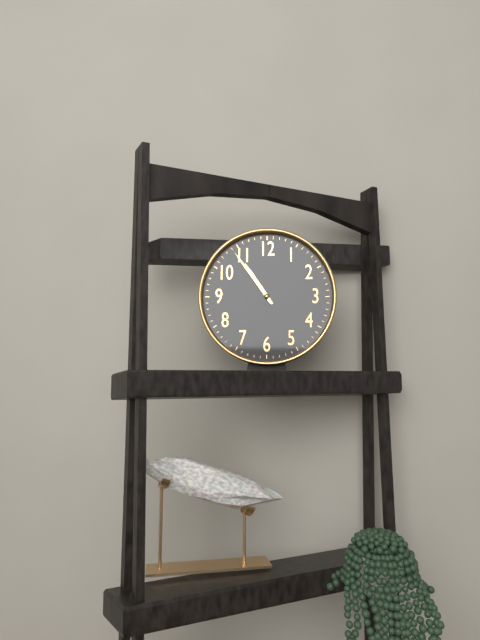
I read 10h54
